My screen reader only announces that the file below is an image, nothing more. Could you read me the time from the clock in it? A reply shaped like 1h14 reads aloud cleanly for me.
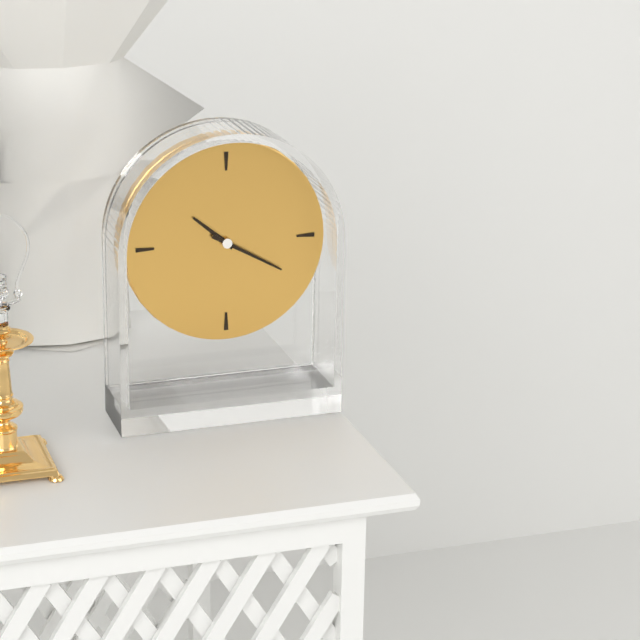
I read 10h20
